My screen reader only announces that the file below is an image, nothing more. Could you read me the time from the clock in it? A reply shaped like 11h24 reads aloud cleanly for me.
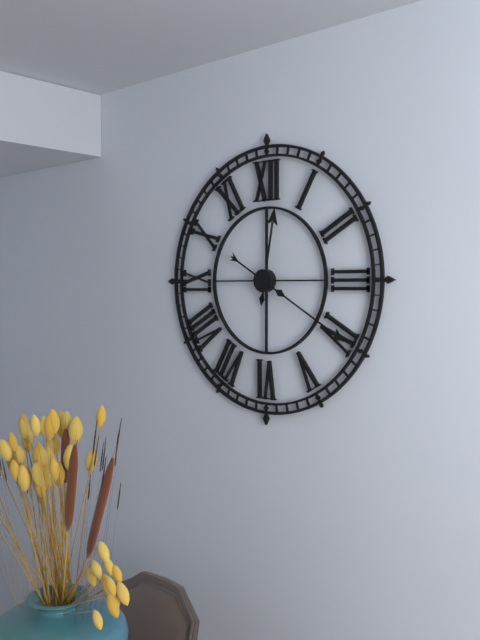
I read 12h20
